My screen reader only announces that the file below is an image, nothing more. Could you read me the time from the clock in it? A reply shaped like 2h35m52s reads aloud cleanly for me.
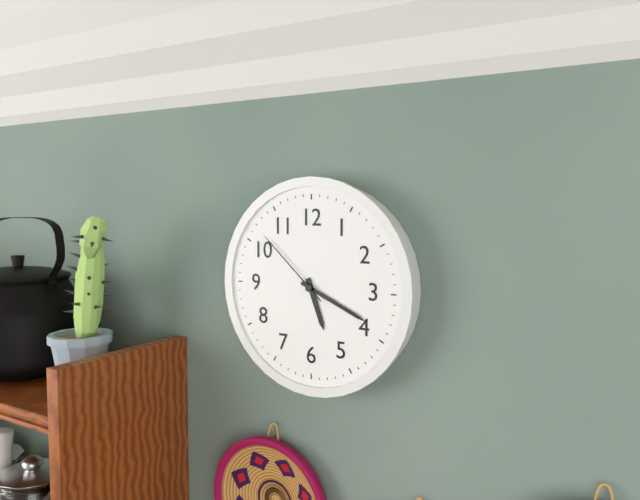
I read 5h19m52s
